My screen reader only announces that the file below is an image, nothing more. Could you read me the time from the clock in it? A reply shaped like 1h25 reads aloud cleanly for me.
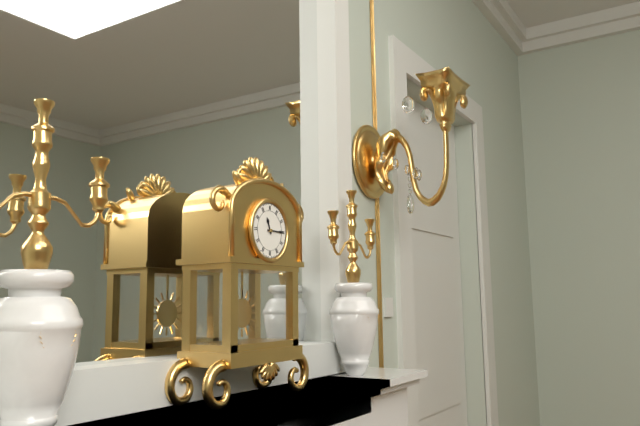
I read 11h15
